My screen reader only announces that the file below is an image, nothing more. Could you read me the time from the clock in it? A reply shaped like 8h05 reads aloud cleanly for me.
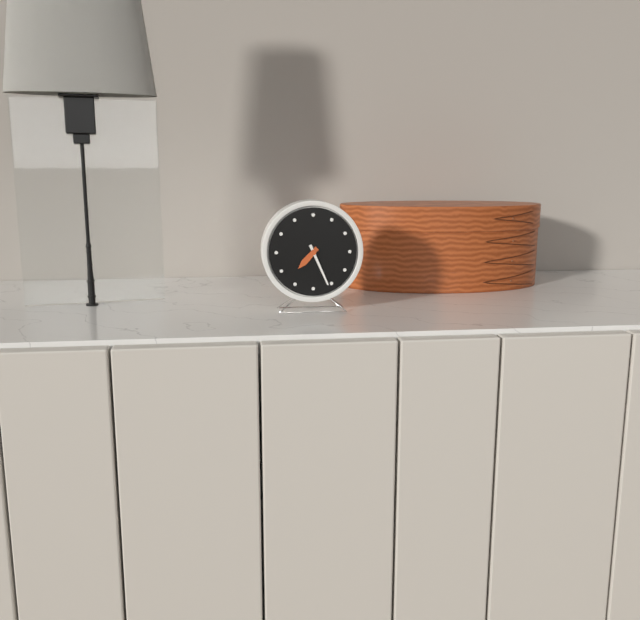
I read 7h26
